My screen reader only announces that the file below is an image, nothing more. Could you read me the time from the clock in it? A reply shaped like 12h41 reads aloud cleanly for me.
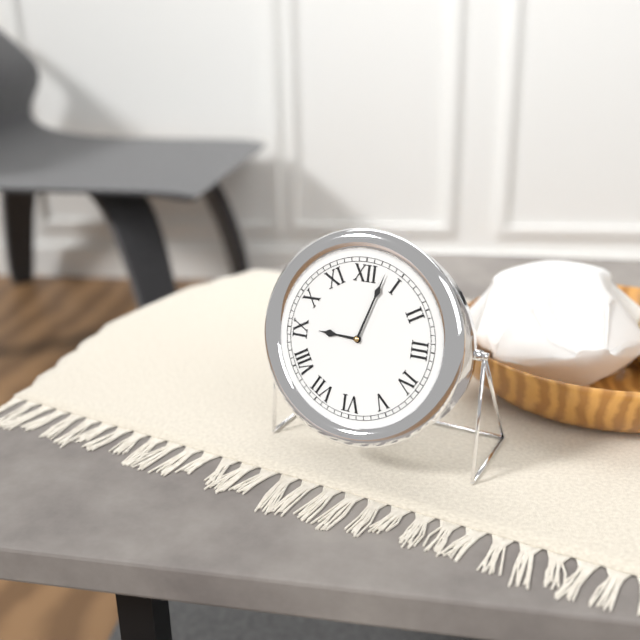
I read 9h03
